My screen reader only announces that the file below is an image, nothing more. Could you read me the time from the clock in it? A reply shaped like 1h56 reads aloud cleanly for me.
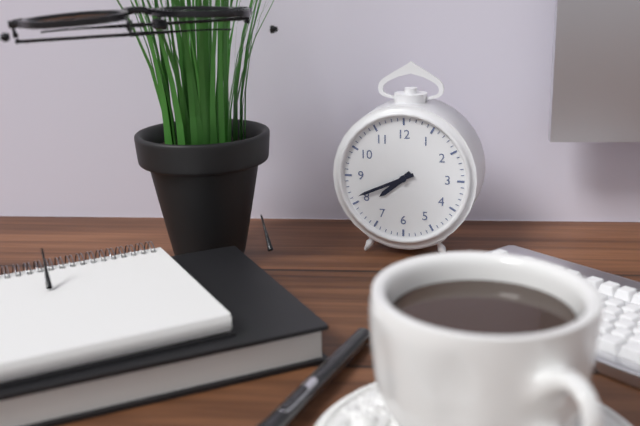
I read 7h41
